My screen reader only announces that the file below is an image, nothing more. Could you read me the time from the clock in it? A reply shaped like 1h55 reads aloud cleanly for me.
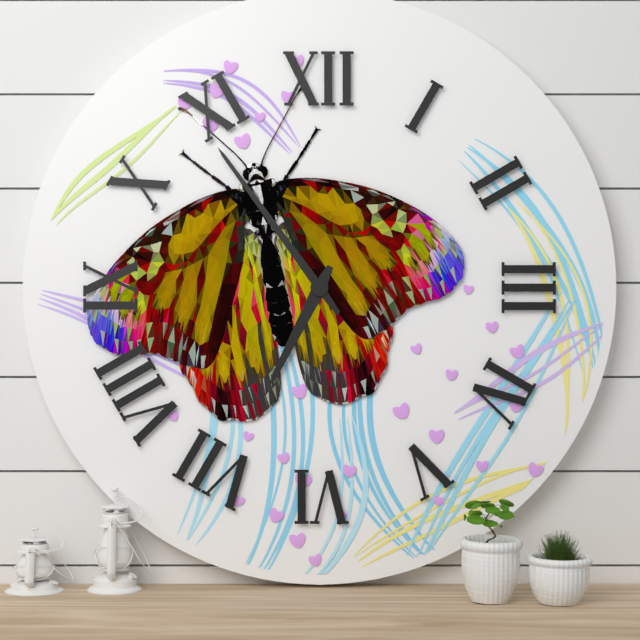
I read 6h54
